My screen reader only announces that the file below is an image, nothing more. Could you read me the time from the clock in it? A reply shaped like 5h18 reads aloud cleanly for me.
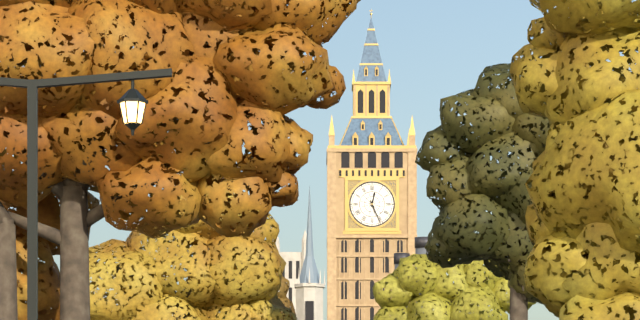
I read 12h26
